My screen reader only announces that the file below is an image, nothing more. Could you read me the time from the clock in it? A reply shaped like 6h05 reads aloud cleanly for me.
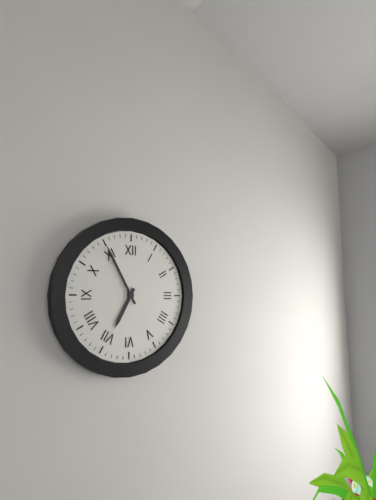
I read 6h55
